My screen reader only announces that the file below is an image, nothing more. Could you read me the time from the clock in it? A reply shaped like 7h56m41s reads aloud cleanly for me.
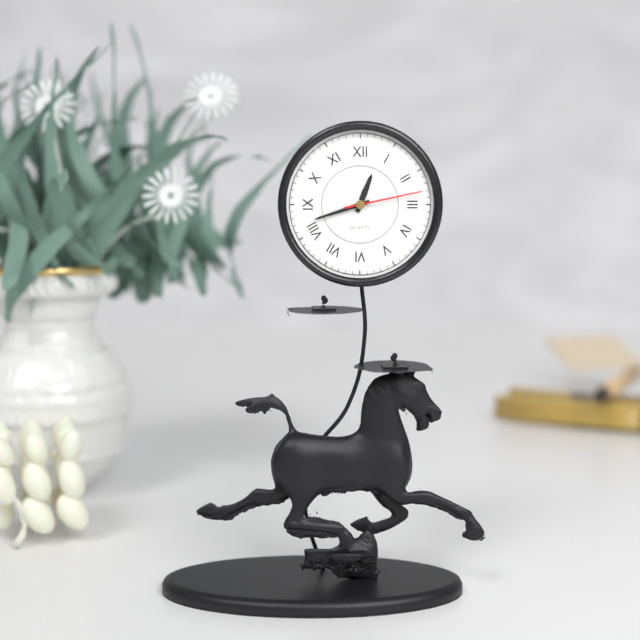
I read 12h42m13s
